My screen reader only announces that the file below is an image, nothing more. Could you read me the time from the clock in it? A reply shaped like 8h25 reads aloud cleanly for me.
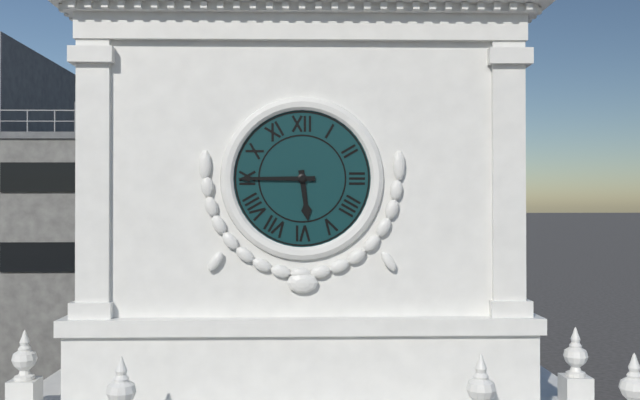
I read 5h45
